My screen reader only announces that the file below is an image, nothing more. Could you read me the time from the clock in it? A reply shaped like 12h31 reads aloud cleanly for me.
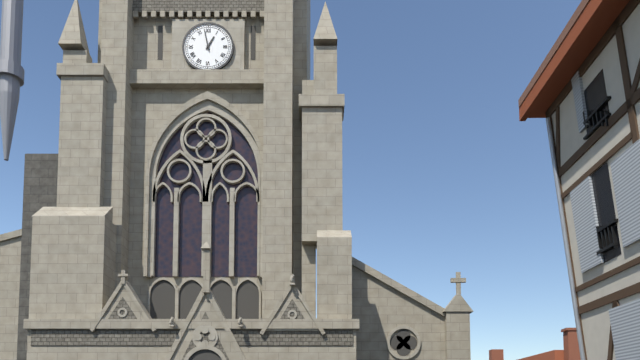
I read 12h58
